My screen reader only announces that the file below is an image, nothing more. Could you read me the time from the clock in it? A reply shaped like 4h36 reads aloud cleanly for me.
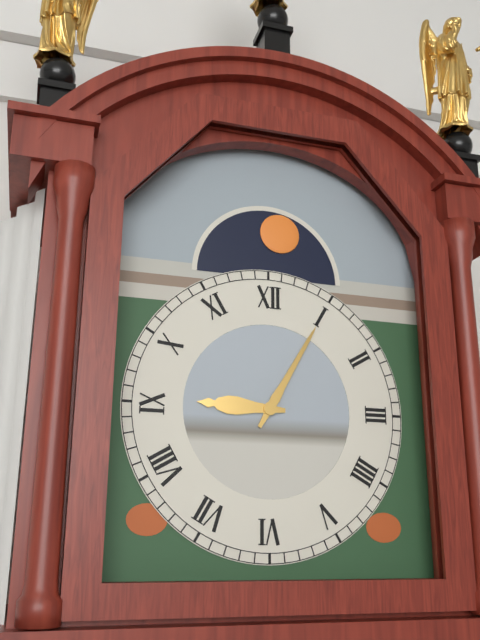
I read 9h05
